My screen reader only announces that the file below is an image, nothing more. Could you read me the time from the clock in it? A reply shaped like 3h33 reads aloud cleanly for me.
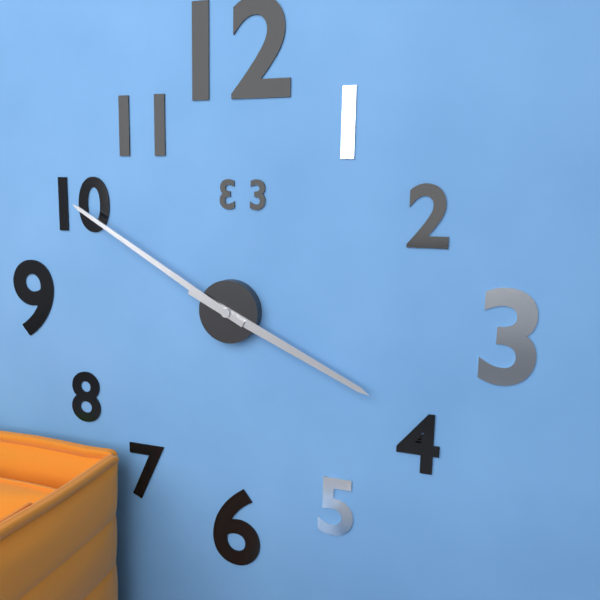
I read 3h50
